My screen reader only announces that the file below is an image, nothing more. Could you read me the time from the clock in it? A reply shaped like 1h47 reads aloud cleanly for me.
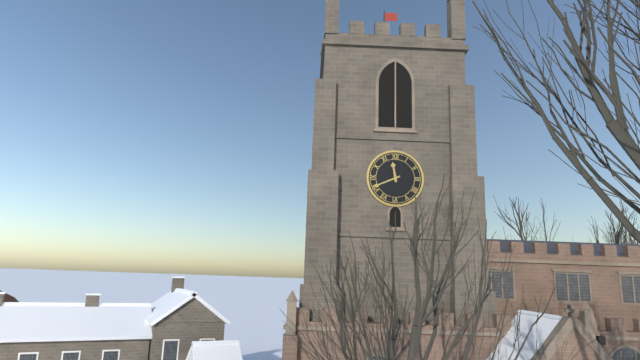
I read 11h41
